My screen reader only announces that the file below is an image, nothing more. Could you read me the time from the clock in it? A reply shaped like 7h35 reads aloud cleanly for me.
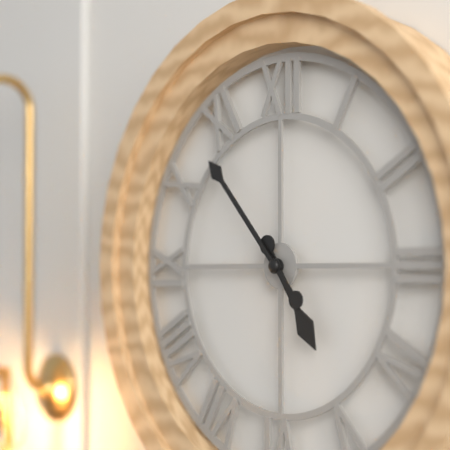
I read 4h53
